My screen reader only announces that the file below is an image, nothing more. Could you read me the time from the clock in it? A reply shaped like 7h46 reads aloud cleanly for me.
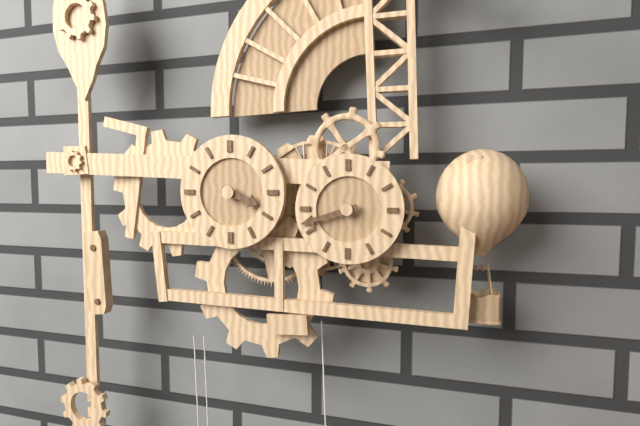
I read 3h42
